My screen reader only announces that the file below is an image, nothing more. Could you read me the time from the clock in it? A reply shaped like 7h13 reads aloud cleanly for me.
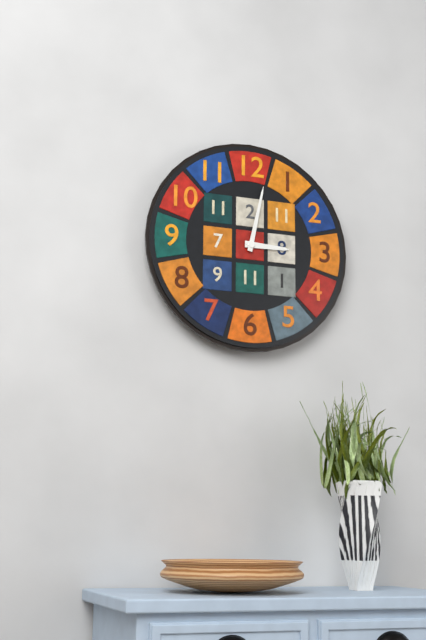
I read 3h02
